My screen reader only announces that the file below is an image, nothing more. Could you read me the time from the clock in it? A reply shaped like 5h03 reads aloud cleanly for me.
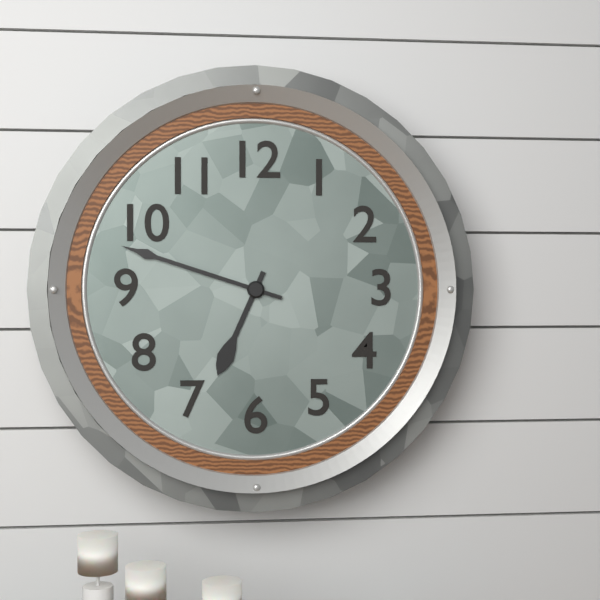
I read 6h48
